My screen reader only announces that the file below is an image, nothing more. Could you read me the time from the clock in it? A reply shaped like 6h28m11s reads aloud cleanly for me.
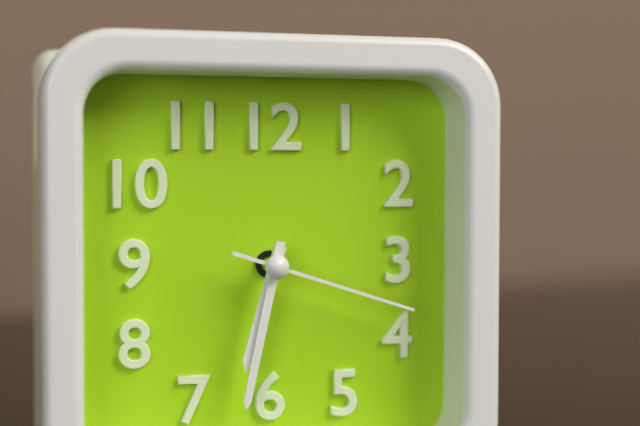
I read 6h32m18s
